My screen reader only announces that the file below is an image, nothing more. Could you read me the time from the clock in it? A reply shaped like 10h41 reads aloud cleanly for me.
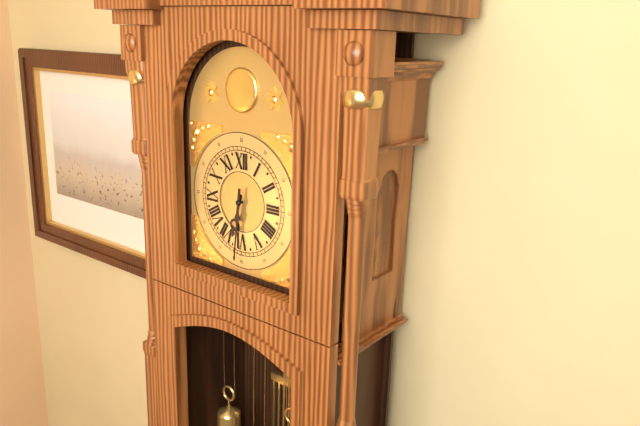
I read 6h31
